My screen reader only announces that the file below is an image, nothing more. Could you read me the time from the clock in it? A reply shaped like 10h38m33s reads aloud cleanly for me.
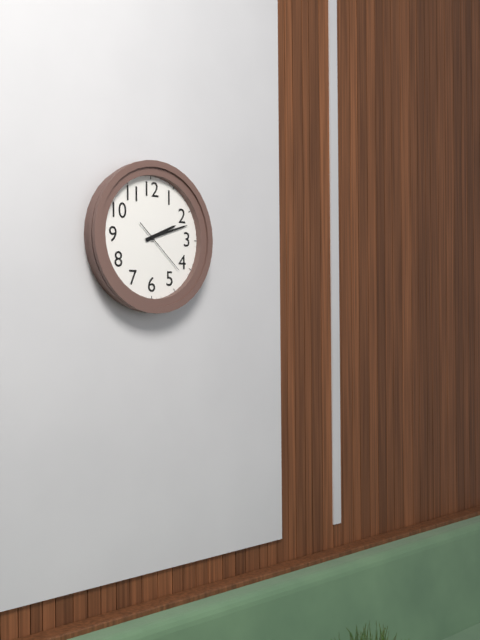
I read 2h12m22s
